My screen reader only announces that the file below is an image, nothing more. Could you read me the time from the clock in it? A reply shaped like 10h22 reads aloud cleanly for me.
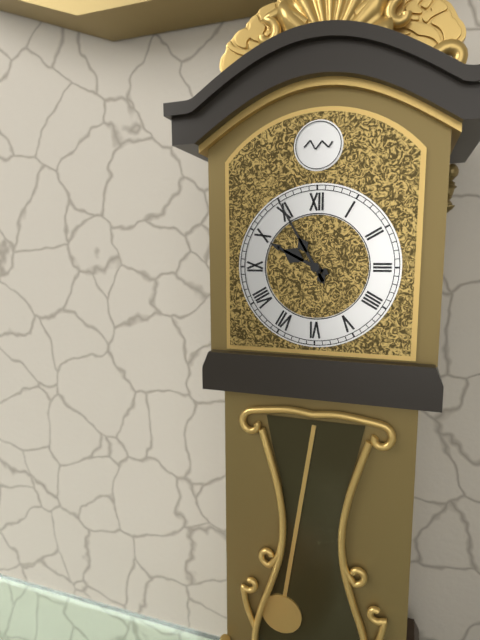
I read 9h55
